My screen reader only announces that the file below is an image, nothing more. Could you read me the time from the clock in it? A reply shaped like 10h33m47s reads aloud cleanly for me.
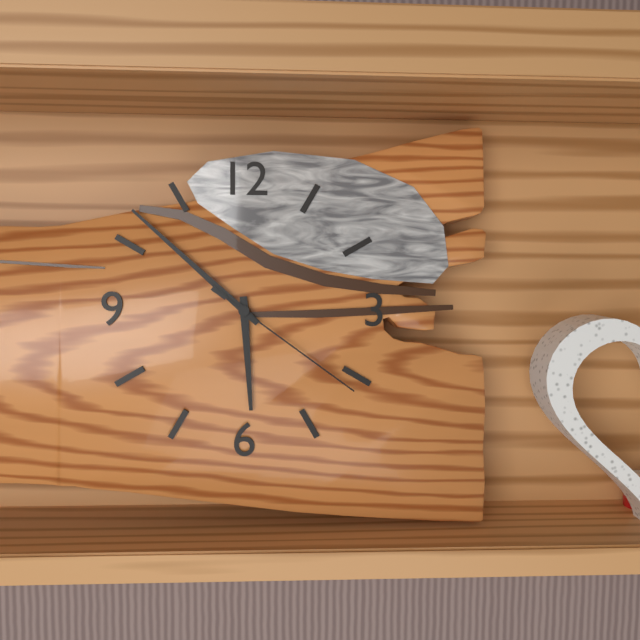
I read 5h52m21s
